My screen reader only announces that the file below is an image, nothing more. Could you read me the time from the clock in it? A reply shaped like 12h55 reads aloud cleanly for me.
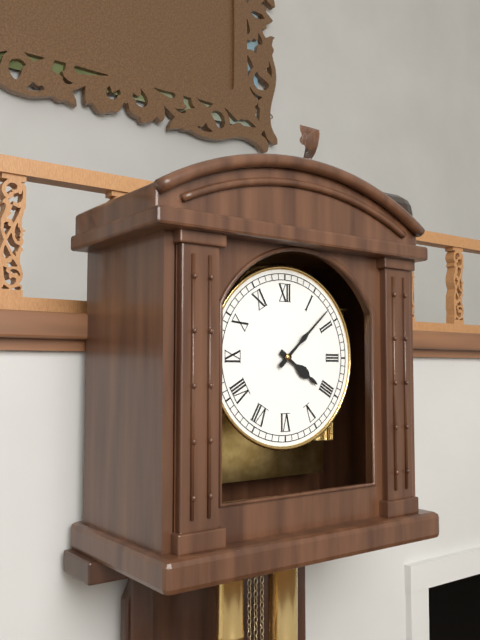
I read 4h08
